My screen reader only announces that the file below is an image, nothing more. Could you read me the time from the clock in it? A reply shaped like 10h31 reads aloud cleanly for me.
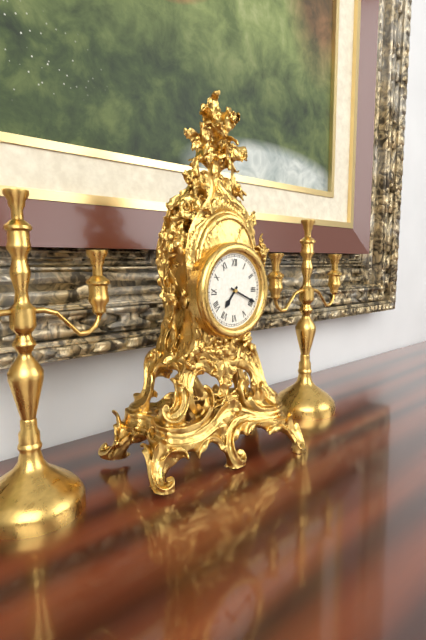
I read 7h19
